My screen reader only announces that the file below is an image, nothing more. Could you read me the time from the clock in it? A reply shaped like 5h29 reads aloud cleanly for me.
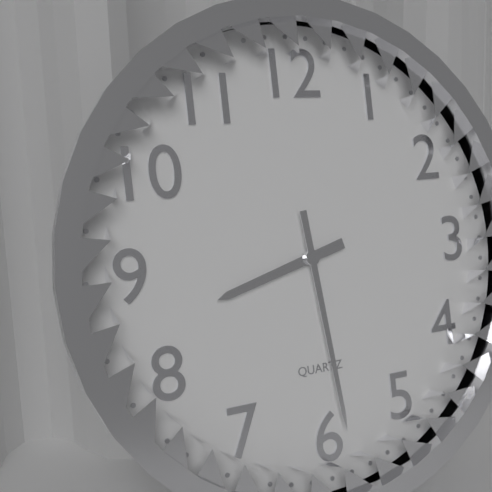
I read 8h29
